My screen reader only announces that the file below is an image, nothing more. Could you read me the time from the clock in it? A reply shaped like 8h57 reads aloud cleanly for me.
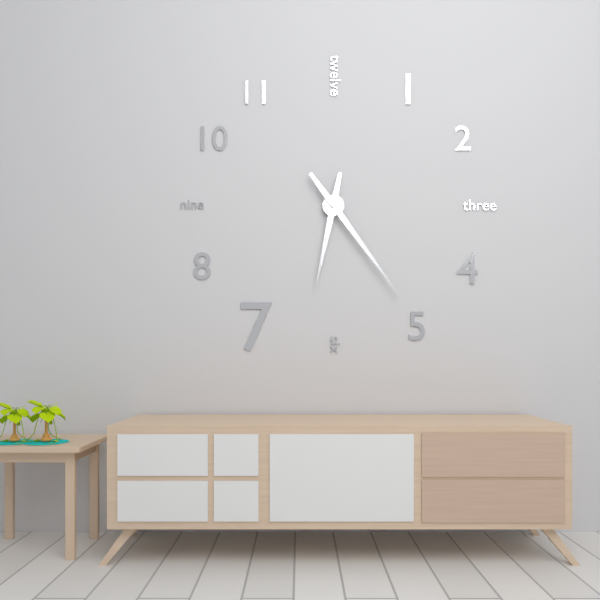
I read 6h24
